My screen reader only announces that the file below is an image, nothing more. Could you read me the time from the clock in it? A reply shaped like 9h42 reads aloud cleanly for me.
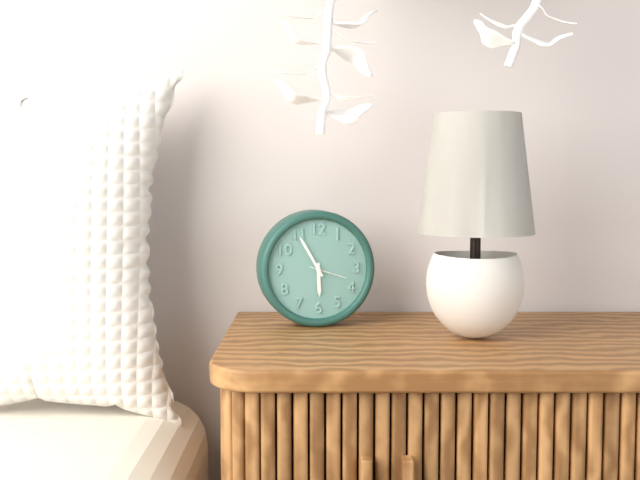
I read 5h55
